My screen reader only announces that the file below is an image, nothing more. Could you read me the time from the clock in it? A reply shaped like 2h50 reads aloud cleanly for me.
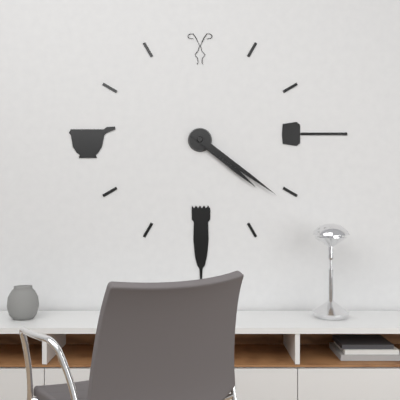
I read 4h21
